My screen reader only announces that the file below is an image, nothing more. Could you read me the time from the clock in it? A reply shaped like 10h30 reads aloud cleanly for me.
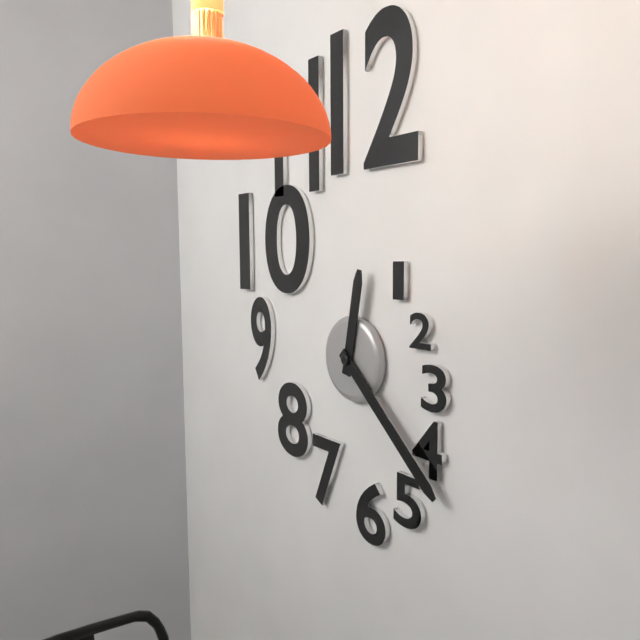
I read 12h22
